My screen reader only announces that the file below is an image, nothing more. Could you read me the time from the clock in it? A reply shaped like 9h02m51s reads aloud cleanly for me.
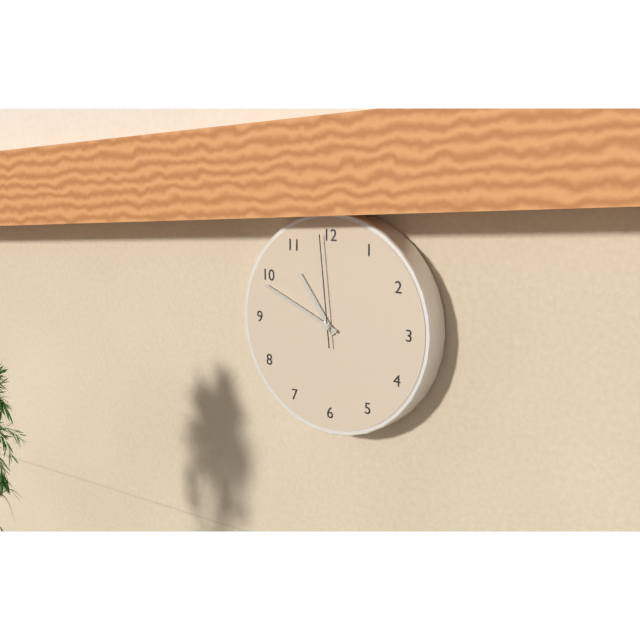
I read 10h49m59s
